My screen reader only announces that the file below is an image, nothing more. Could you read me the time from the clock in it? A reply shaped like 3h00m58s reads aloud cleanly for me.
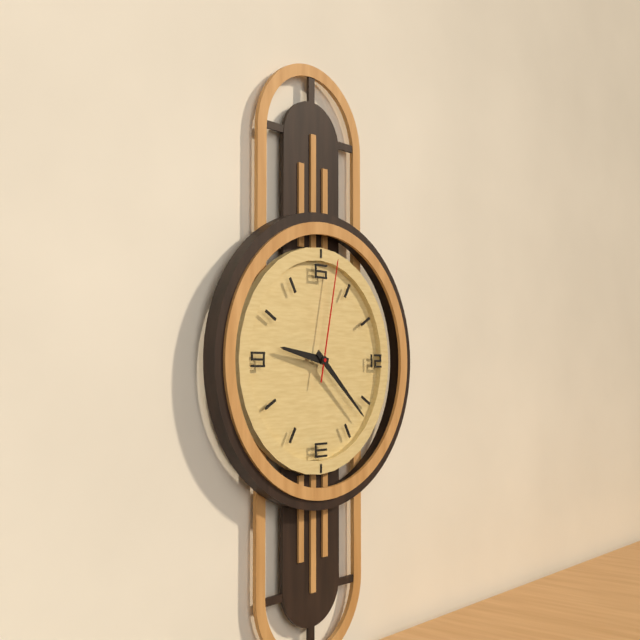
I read 9h22m02s
